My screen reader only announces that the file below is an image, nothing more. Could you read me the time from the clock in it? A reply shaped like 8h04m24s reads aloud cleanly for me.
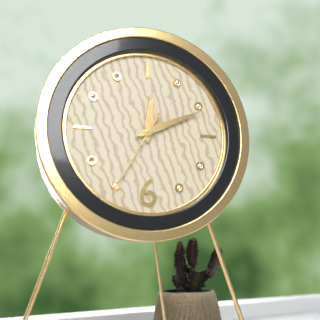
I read 12h11m35s
